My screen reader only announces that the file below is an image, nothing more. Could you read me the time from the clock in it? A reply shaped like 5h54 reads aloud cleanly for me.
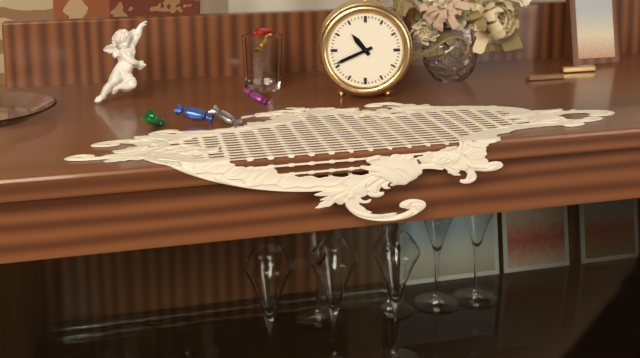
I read 10h41
